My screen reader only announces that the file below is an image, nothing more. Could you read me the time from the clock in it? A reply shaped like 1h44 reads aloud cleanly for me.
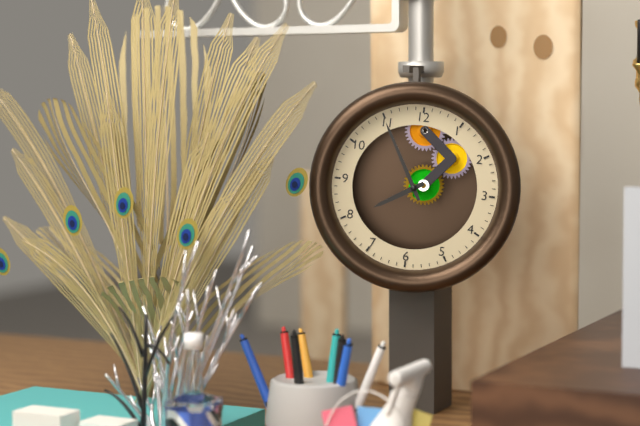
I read 7h55
